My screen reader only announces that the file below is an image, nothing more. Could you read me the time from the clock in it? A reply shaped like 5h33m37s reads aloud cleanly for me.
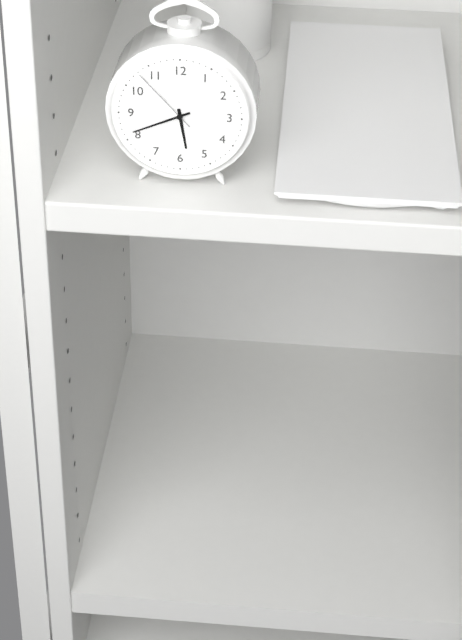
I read 5h41m53s
